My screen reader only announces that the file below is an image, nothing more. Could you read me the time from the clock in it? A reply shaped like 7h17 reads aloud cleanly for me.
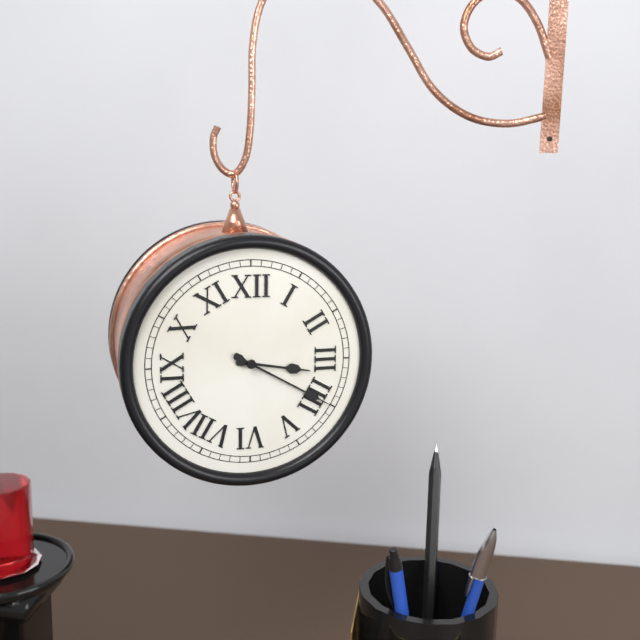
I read 3h20
